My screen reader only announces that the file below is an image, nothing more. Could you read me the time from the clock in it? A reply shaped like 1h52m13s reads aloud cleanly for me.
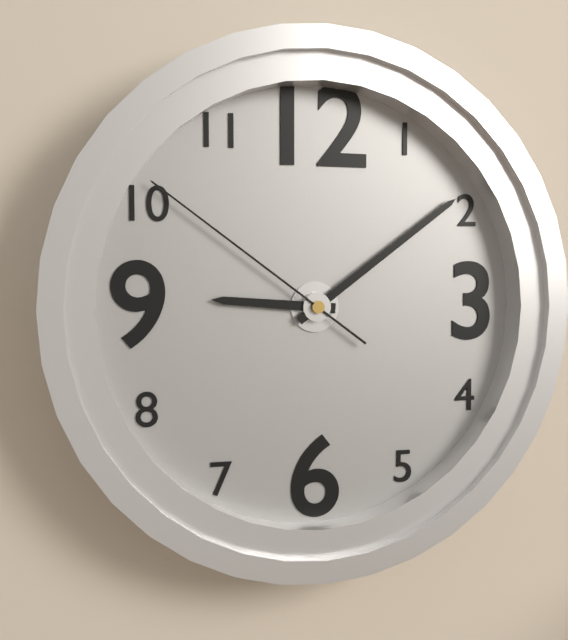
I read 9h09m51s
